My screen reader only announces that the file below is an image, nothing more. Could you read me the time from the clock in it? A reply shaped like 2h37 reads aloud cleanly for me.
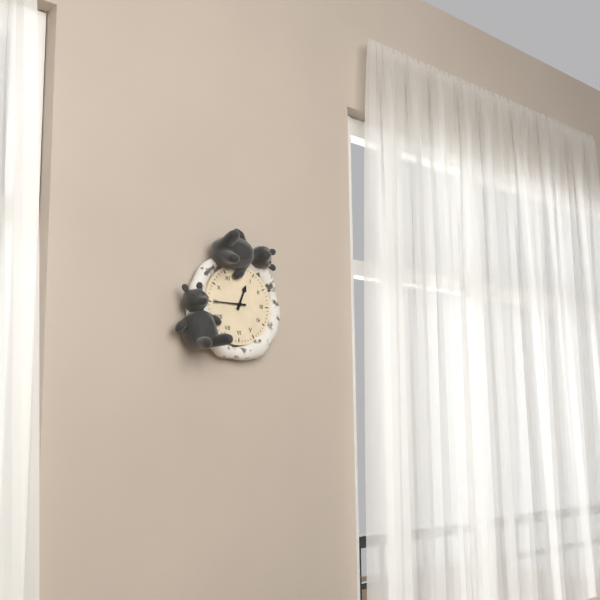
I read 12h45
